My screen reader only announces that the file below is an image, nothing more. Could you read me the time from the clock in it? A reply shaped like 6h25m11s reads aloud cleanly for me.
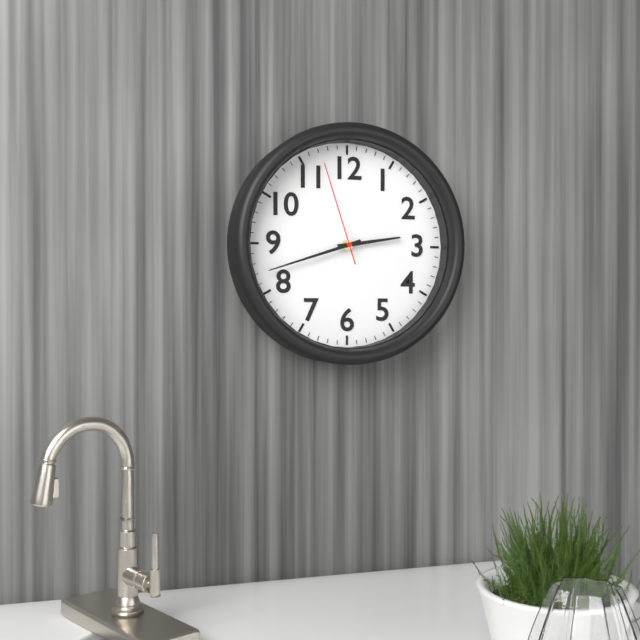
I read 2h42m57s
